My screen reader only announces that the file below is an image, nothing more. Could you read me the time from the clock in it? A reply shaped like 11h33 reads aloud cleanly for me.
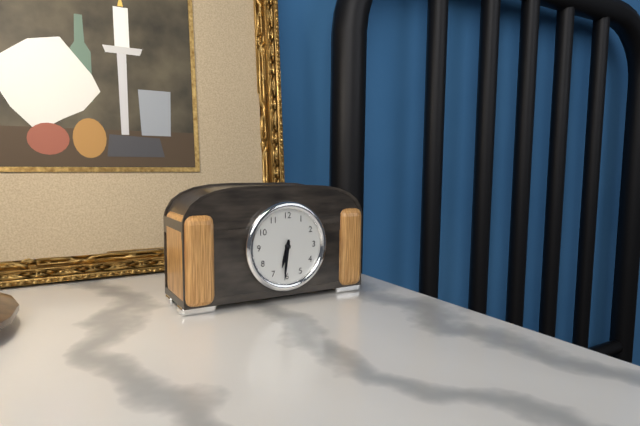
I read 6h31
